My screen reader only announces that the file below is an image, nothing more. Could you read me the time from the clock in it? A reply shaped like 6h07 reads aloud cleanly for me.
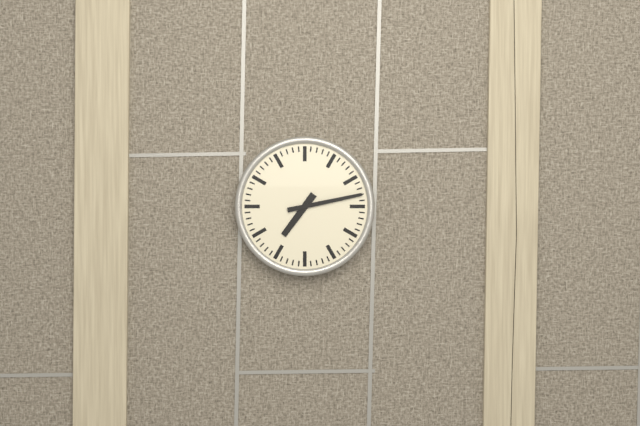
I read 7h13
